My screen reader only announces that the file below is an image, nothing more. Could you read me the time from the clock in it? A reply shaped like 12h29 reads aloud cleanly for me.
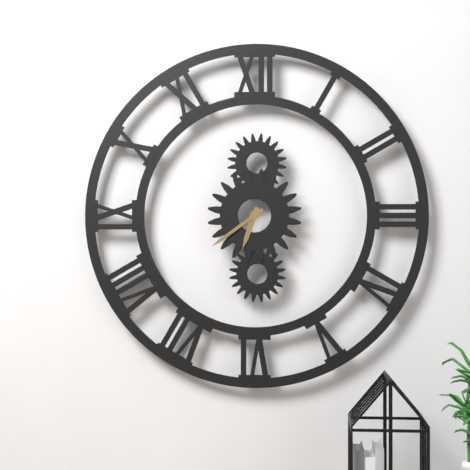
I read 6h39
